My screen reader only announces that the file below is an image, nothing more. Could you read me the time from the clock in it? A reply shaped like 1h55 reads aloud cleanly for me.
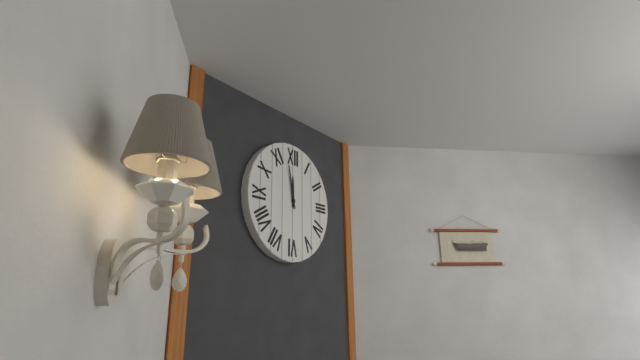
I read 11h58
